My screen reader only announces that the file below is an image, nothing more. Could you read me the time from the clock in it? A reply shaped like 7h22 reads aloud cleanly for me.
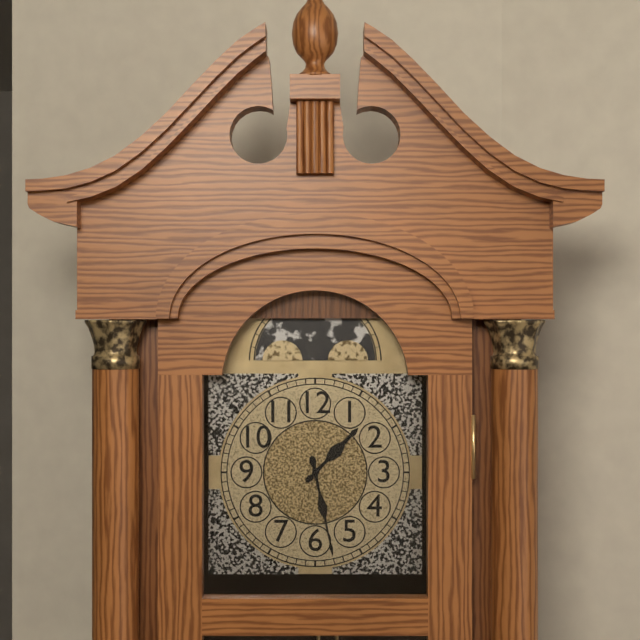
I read 1h28
